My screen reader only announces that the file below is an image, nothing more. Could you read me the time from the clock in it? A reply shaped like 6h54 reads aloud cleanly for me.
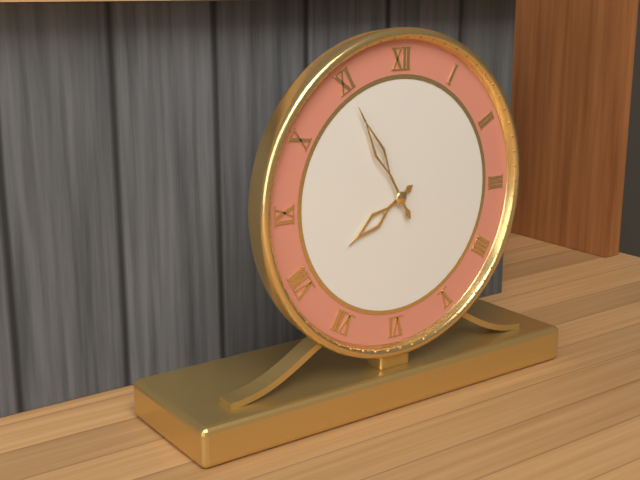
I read 7h55
